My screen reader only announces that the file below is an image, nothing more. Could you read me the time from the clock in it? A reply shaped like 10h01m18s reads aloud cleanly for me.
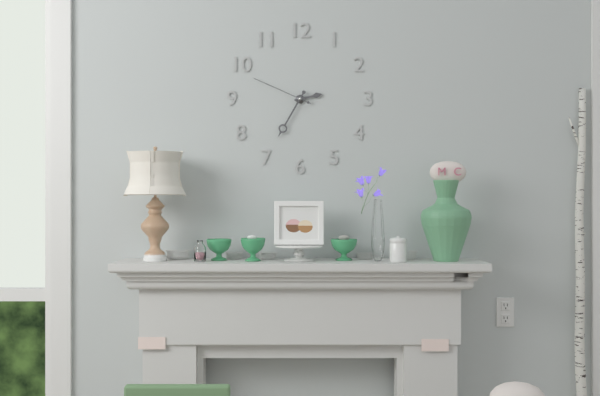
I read 2h35m49s
